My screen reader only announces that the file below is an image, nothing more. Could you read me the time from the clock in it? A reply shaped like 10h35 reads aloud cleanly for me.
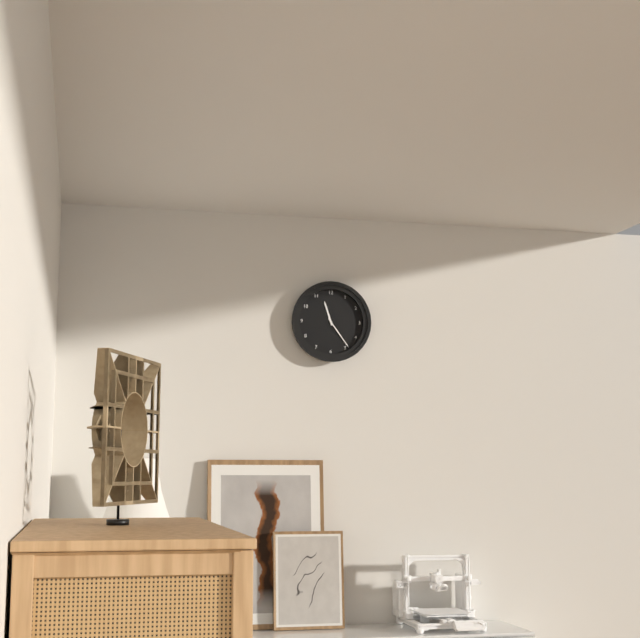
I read 11h24
